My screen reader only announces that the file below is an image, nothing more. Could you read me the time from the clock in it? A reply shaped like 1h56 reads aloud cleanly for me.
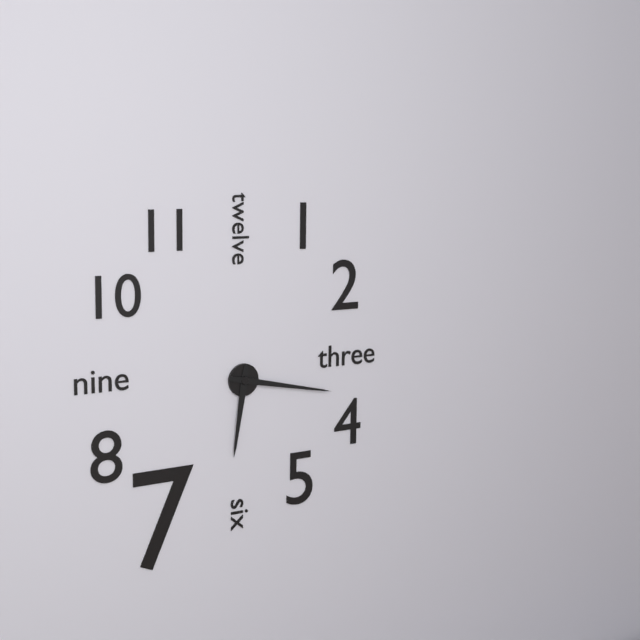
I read 6h17
